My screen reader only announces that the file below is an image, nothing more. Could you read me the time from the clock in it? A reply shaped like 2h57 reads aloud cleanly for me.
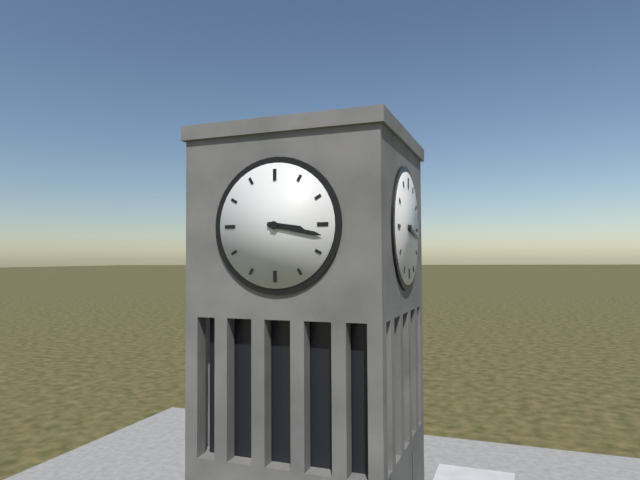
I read 3h17
